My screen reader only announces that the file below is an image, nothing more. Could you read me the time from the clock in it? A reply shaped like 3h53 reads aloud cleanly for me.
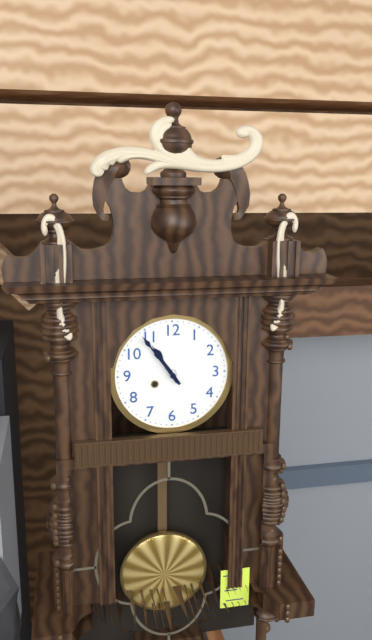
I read 10h54
